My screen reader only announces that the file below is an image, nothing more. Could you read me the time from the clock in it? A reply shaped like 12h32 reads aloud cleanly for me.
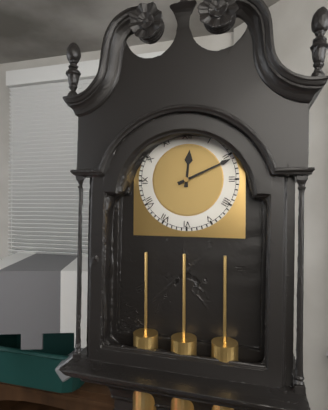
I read 12h11
